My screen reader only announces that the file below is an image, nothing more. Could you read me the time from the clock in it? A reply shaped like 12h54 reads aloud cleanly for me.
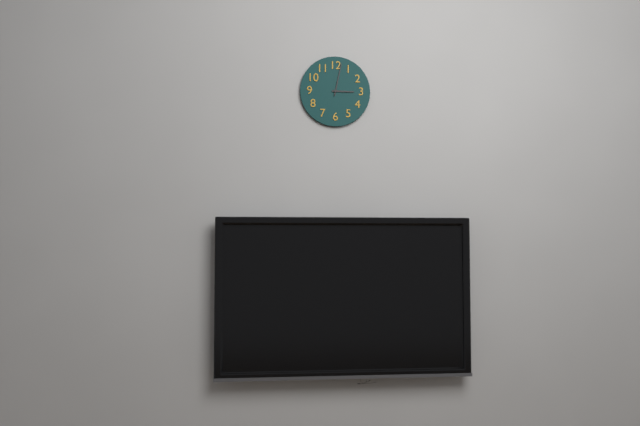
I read 3h02
